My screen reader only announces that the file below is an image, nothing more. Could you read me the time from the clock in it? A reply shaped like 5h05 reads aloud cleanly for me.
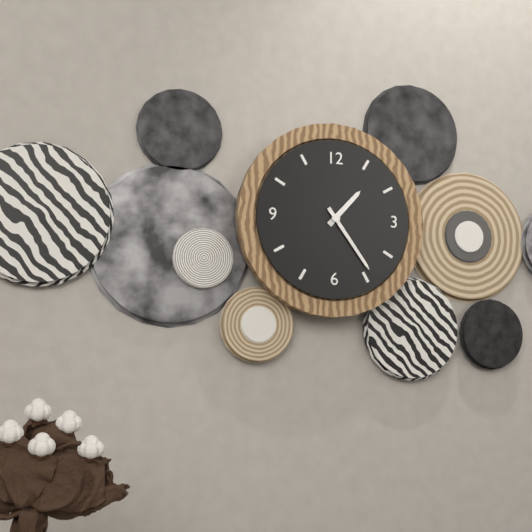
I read 1h24
